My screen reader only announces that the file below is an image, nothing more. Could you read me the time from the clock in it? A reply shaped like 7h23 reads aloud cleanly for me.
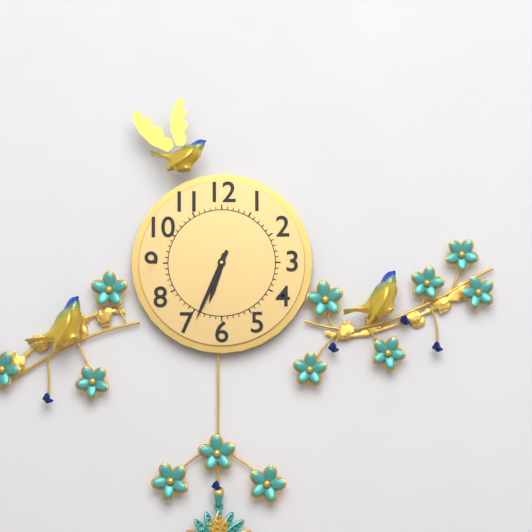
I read 6h34
